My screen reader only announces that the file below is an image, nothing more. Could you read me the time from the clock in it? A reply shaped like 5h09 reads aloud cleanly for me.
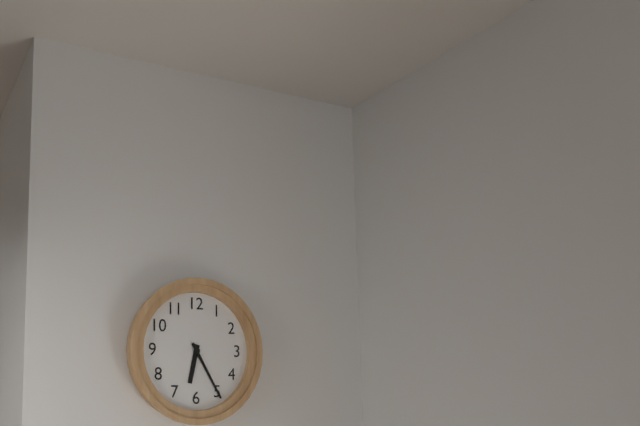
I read 6h25
